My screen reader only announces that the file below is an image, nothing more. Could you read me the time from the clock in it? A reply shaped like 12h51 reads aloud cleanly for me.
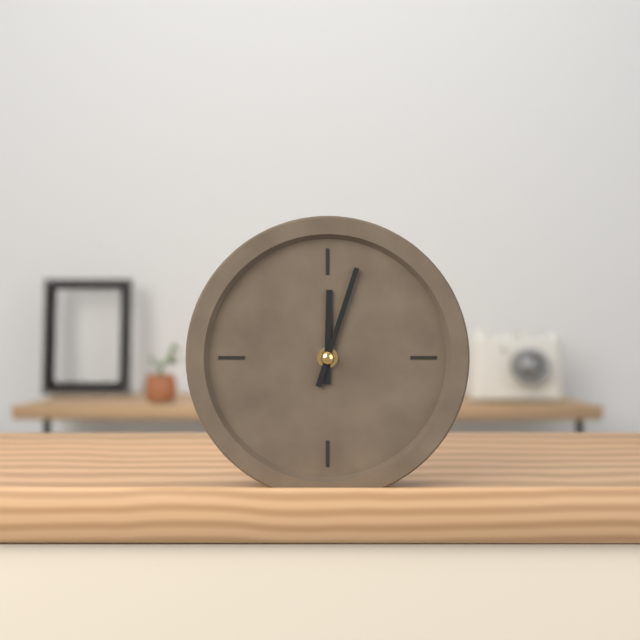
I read 12h03
